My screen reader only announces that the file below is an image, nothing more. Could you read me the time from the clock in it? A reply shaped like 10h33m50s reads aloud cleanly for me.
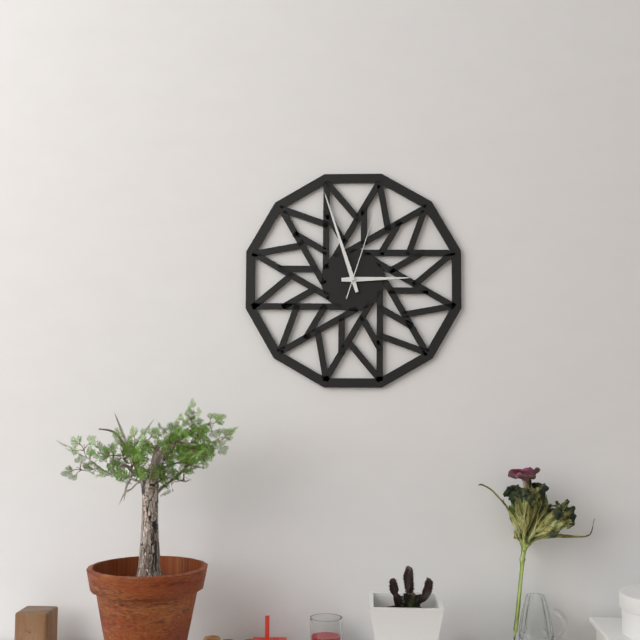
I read 2h57m03s
